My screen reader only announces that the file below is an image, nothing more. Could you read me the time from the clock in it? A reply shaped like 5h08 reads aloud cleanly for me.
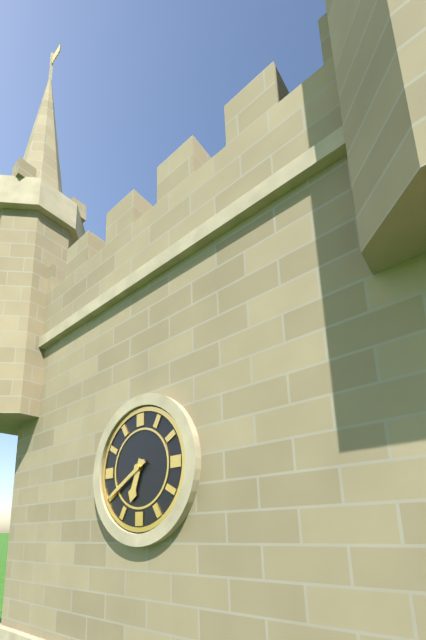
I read 6h40
